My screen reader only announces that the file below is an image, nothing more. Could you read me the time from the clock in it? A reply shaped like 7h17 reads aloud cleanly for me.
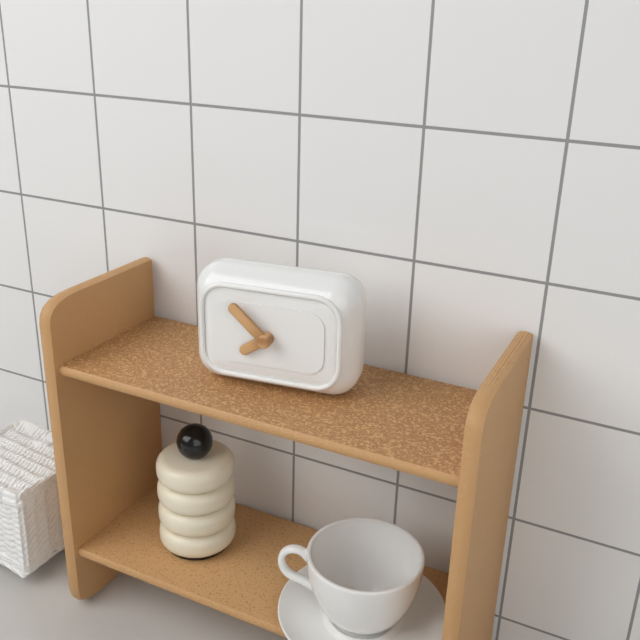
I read 7h52
